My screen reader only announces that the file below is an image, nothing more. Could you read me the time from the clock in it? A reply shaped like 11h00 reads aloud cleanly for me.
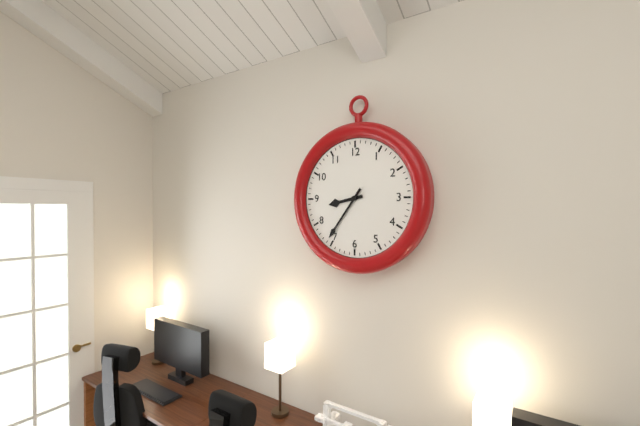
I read 8h36
